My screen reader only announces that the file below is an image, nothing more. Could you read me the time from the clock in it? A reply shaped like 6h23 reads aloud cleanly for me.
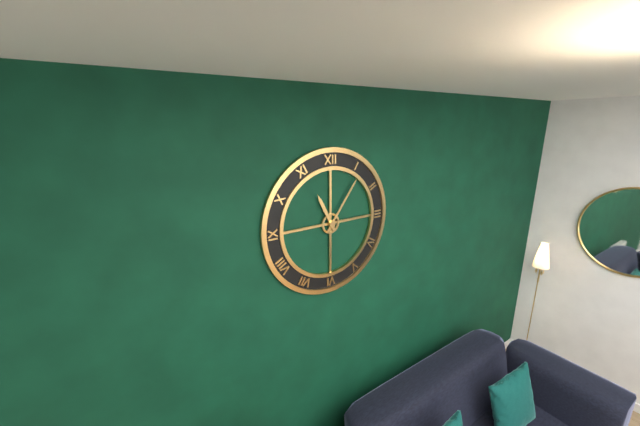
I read 11h06
